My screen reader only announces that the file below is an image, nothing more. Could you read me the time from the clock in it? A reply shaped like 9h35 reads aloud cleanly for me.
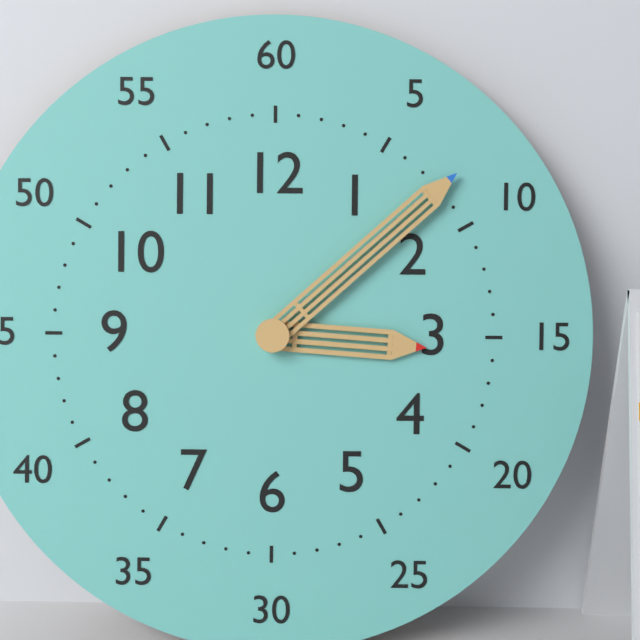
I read 3h08
